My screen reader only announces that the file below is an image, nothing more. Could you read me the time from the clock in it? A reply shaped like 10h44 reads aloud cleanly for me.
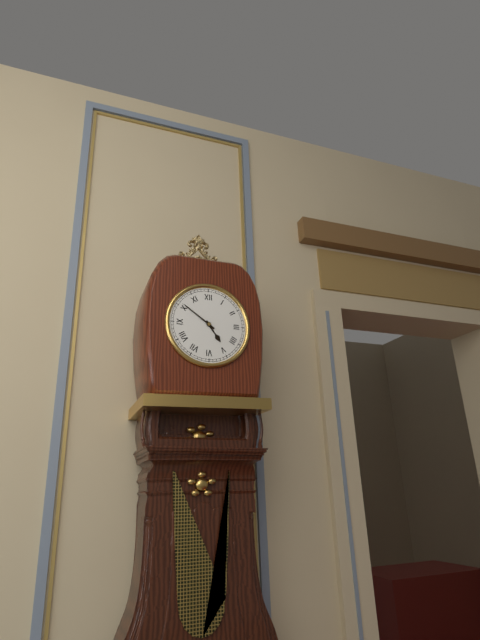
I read 4h51
